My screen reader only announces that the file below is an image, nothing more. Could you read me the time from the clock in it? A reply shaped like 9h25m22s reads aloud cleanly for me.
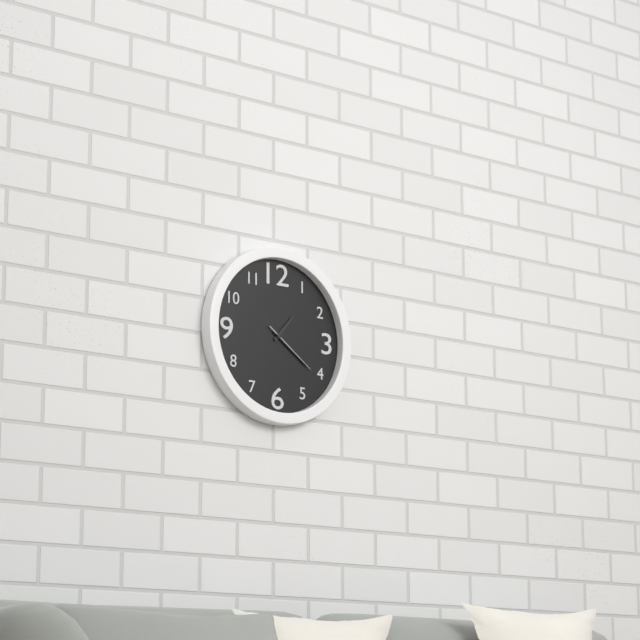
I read 1h21m21s
